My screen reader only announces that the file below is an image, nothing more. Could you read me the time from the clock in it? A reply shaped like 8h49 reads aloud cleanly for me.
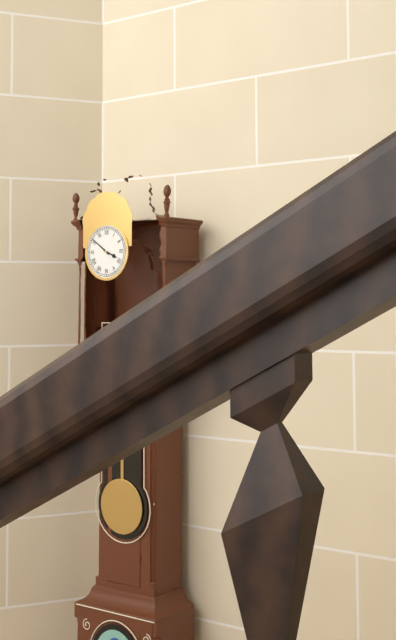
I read 3h51
